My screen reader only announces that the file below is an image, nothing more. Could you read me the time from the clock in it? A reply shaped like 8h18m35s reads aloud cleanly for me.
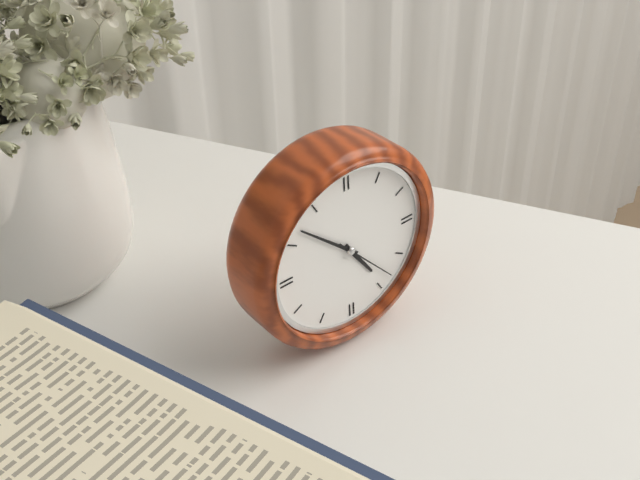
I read 4h52m23s
